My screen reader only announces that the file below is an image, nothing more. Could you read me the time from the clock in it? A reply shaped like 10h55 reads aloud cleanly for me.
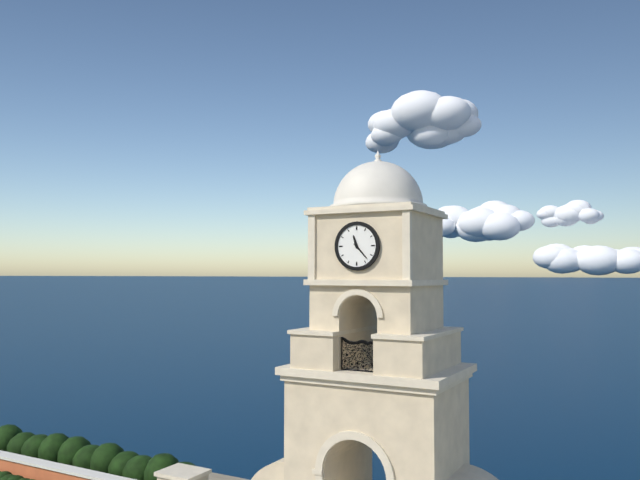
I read 11h23
